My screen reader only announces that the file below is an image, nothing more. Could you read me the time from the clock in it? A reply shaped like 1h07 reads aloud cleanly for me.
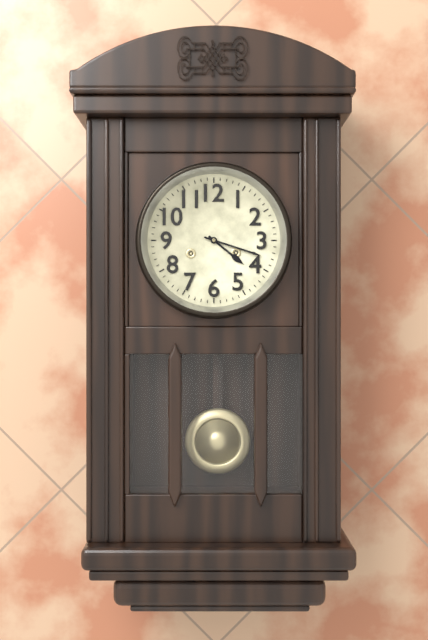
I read 4h18
